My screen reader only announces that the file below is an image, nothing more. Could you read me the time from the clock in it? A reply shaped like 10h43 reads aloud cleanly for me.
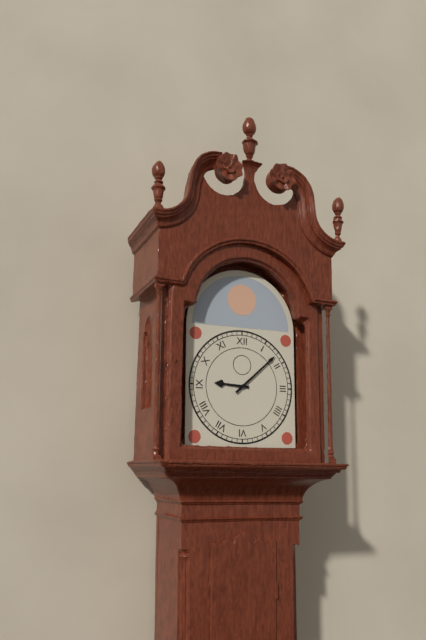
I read 9h08
